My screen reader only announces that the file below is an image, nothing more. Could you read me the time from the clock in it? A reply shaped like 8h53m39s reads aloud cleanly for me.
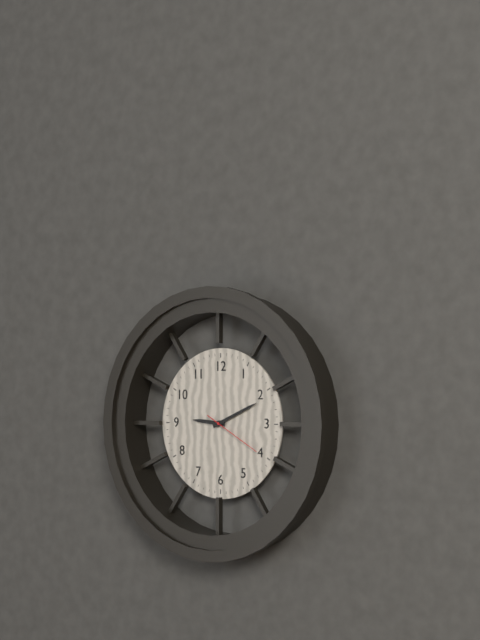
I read 9h11m20s
